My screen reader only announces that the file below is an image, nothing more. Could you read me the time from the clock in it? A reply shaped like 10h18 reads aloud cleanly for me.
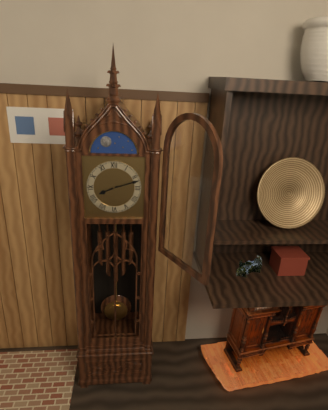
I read 8h12
